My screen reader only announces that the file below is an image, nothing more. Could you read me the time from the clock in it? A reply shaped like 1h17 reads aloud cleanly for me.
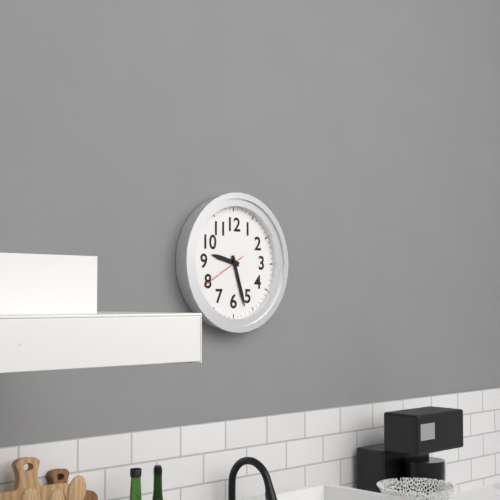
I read 9h27
